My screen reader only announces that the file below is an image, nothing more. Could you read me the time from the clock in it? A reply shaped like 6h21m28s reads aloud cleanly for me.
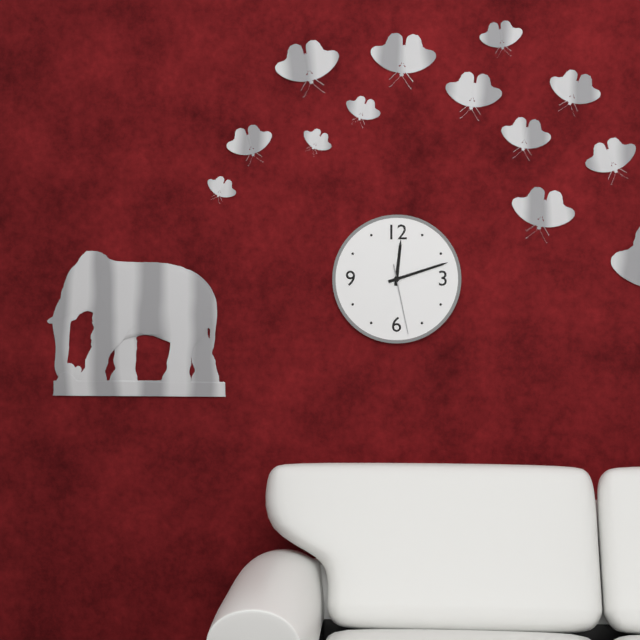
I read 12h12m28s
